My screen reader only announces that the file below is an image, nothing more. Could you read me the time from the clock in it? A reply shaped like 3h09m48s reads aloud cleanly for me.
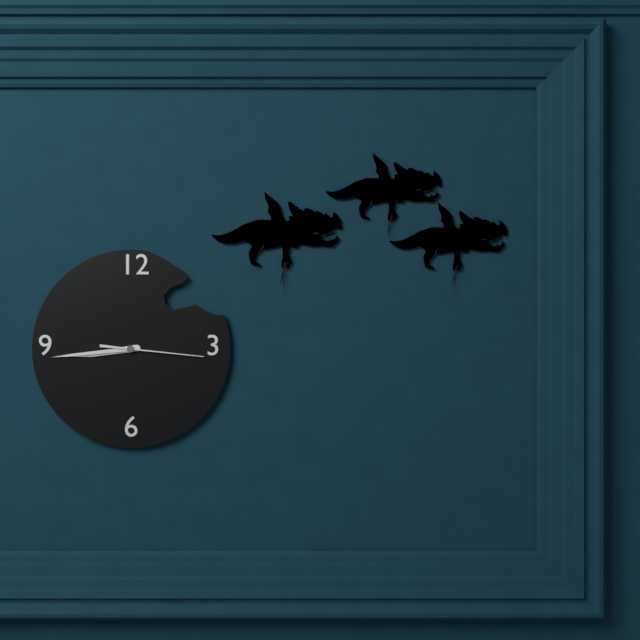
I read 8h44m16s
